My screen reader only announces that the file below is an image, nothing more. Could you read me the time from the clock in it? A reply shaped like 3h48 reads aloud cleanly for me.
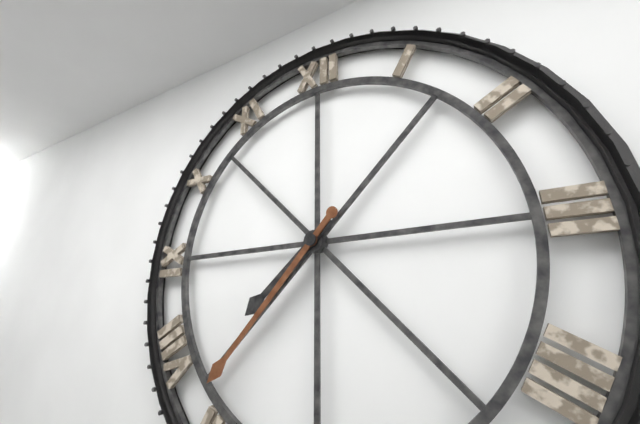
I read 7h37
